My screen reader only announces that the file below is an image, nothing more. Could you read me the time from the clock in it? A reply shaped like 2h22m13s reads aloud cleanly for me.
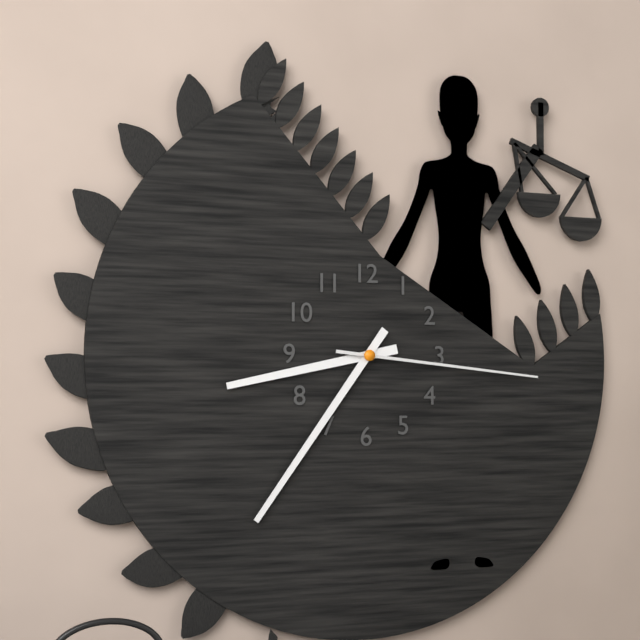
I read 8h36m16s
